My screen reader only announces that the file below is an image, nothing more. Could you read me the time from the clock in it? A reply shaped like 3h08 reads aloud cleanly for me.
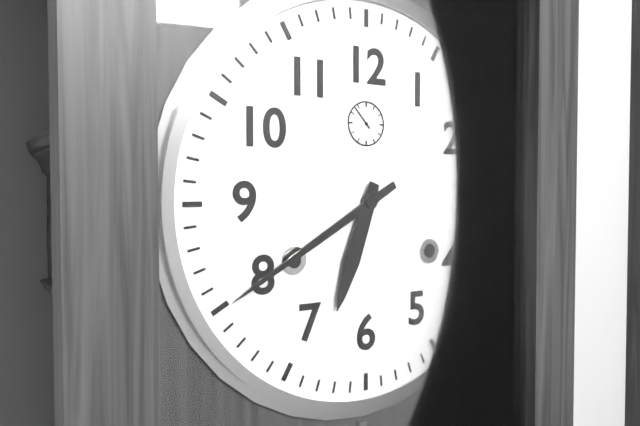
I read 6h40
